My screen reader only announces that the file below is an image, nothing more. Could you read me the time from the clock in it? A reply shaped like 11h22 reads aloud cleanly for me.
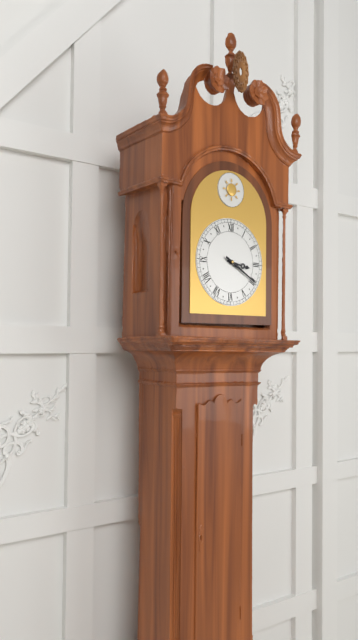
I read 3h20
